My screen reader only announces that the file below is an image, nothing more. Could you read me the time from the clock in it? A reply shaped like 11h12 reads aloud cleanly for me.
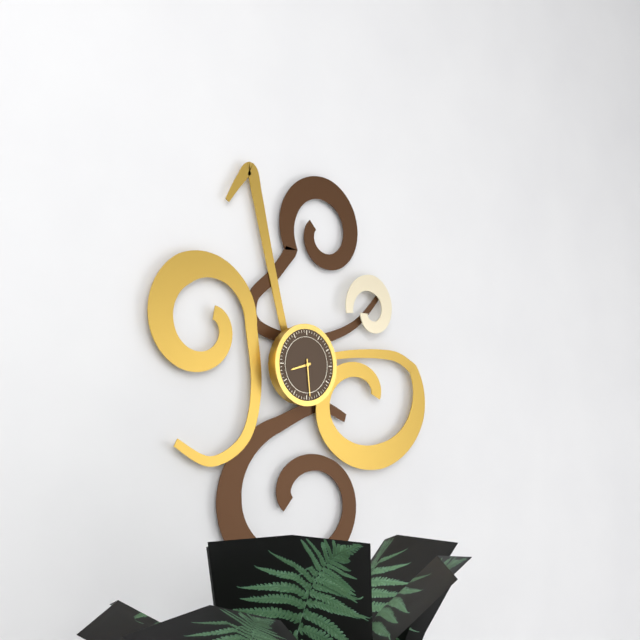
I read 8h29
